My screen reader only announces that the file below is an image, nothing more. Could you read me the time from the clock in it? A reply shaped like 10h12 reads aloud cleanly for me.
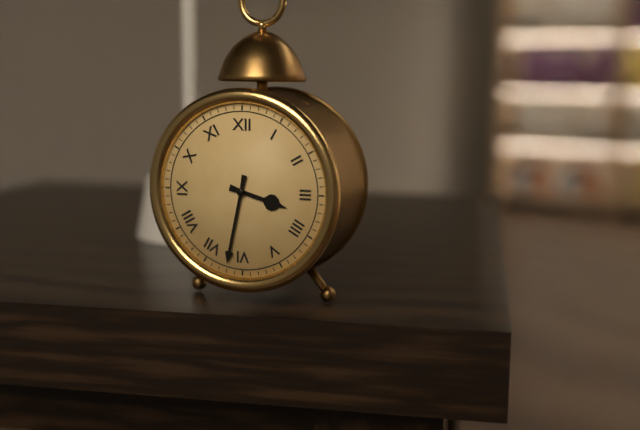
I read 3h32
